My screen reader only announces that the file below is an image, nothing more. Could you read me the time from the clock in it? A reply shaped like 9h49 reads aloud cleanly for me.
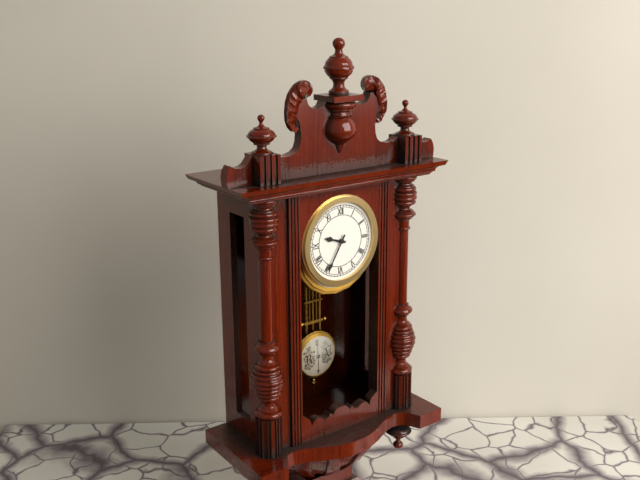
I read 9h35
